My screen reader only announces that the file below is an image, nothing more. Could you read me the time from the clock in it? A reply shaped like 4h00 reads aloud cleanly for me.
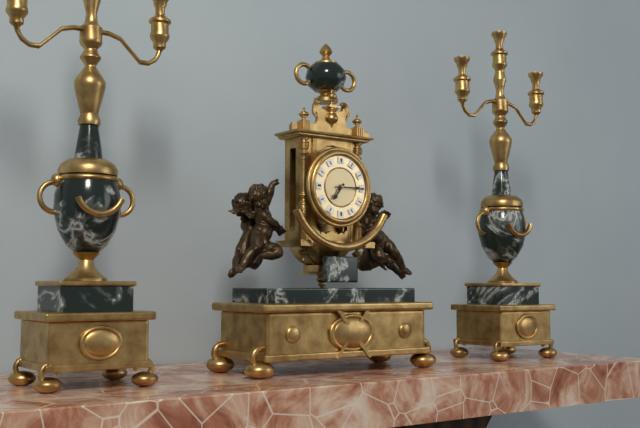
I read 7h15
